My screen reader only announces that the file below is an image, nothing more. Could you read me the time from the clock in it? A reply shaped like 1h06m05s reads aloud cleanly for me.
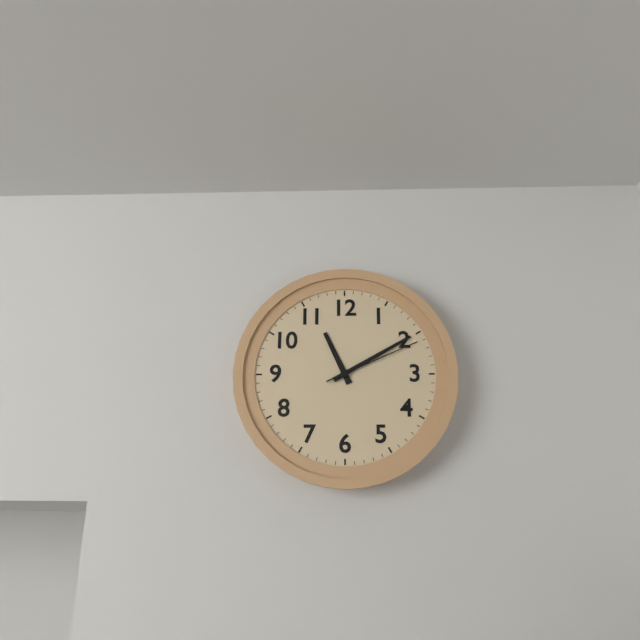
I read 11h10m11s
